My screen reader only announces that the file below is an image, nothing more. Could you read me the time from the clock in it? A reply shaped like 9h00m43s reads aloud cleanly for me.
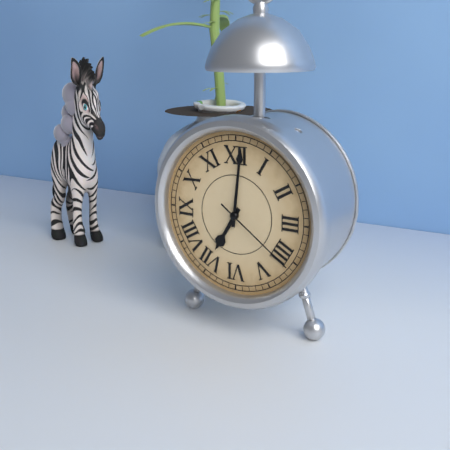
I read 7h01m21s
